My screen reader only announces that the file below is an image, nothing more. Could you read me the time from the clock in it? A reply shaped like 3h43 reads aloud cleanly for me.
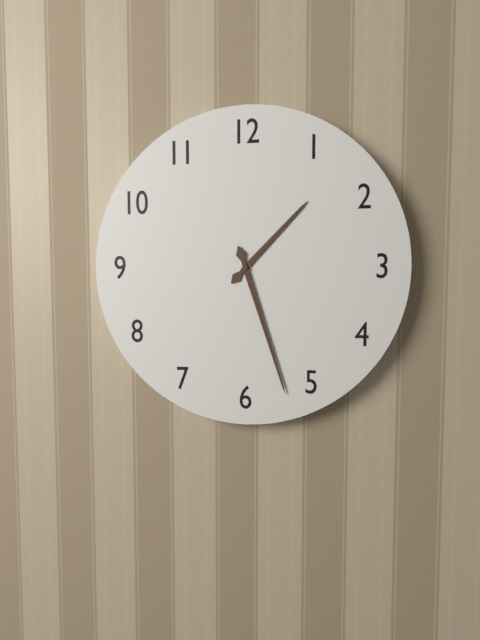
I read 1h27
